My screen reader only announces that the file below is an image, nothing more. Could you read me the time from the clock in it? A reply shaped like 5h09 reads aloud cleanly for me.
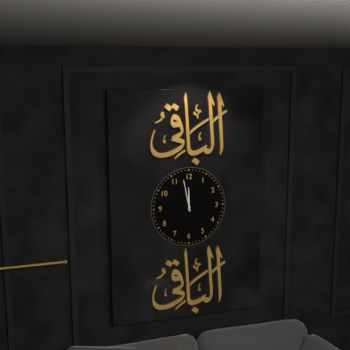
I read 11h58
